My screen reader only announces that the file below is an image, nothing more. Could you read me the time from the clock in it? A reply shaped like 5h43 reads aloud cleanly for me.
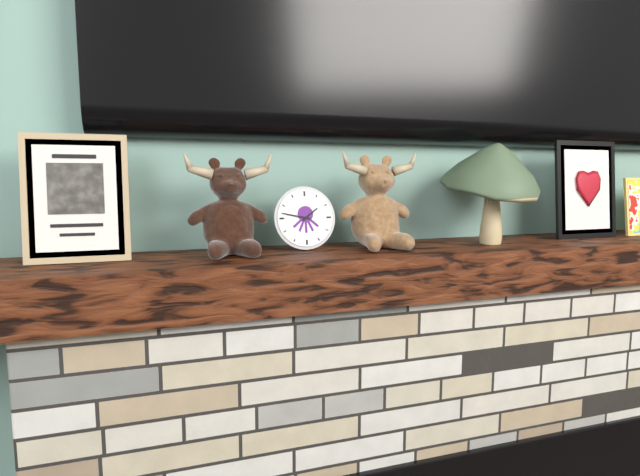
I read 1h47
